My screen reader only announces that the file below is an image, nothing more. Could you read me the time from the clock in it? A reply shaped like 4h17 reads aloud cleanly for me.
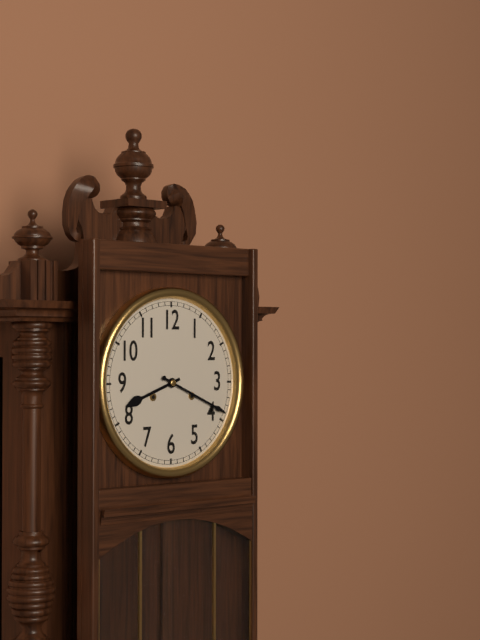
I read 8h19
